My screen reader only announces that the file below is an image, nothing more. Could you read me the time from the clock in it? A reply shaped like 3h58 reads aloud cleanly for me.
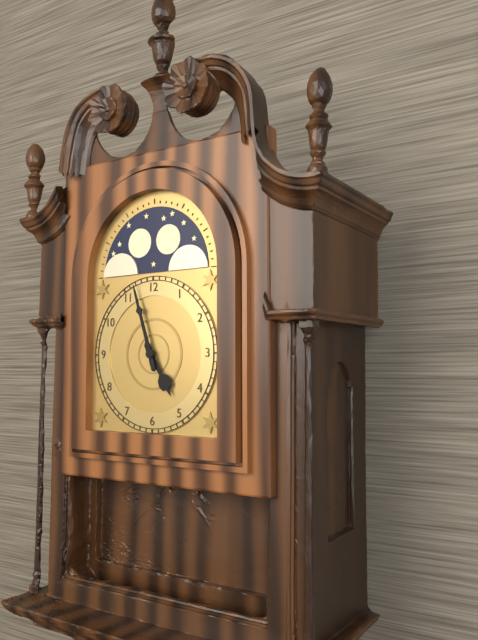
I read 4h57
